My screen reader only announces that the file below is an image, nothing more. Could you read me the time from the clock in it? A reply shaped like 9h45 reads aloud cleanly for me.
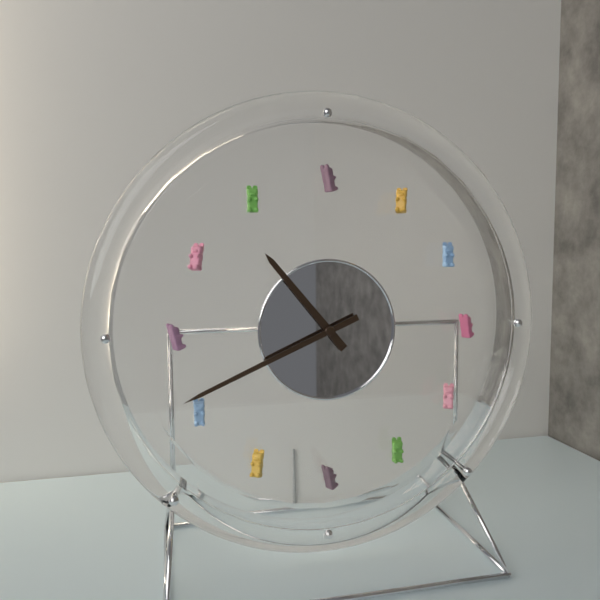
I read 10h41
